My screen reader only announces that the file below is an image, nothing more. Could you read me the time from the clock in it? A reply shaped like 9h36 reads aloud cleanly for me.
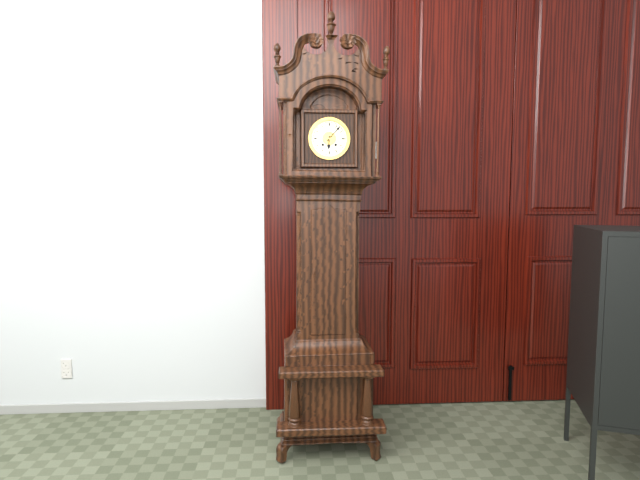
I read 6h07
